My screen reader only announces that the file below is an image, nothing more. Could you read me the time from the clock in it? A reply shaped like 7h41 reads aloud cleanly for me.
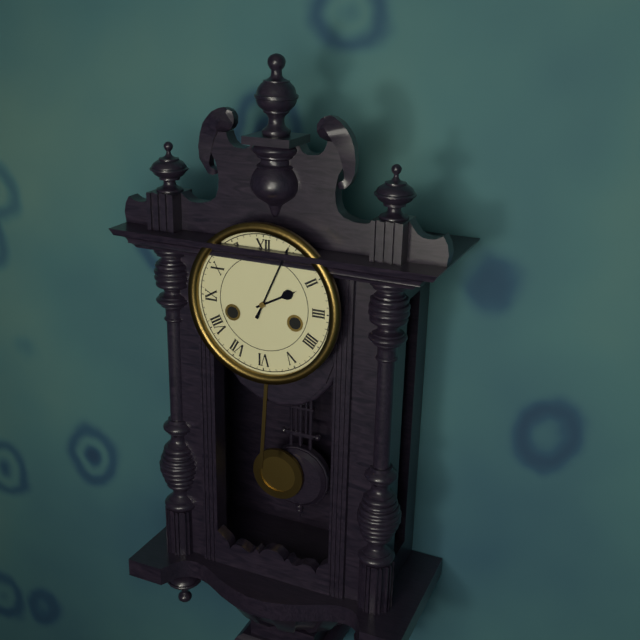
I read 2h04
